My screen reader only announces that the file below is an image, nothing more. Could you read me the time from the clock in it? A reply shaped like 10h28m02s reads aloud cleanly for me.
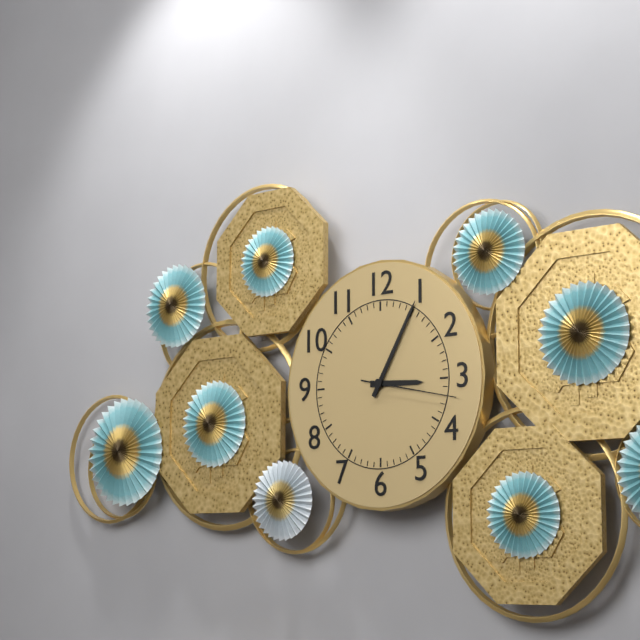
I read 3h05m17s
